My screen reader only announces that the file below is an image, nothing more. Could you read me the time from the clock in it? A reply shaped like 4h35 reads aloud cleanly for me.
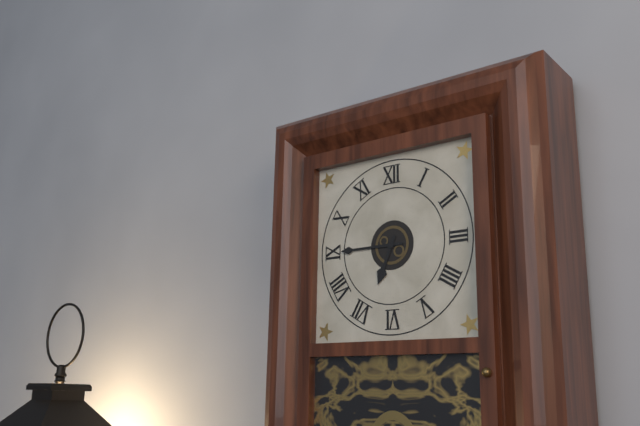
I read 6h45
